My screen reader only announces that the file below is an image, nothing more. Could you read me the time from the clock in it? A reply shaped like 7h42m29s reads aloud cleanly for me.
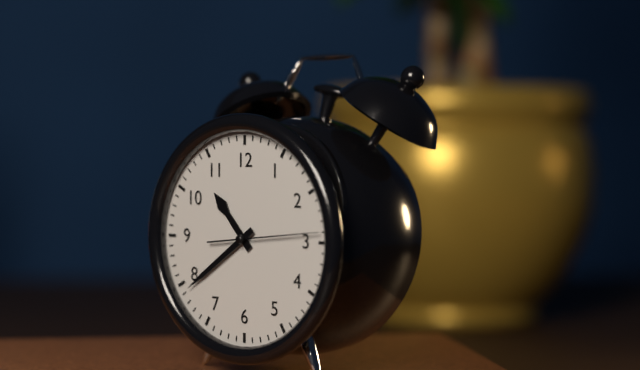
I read 10h39m14s
